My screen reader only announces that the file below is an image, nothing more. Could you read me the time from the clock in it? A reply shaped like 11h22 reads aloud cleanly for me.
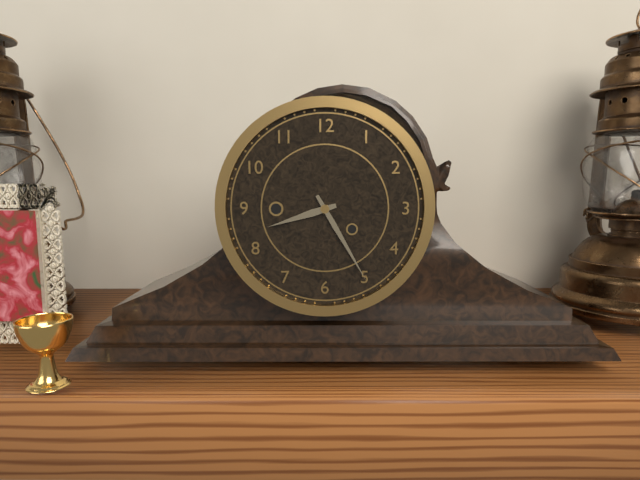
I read 8h25
